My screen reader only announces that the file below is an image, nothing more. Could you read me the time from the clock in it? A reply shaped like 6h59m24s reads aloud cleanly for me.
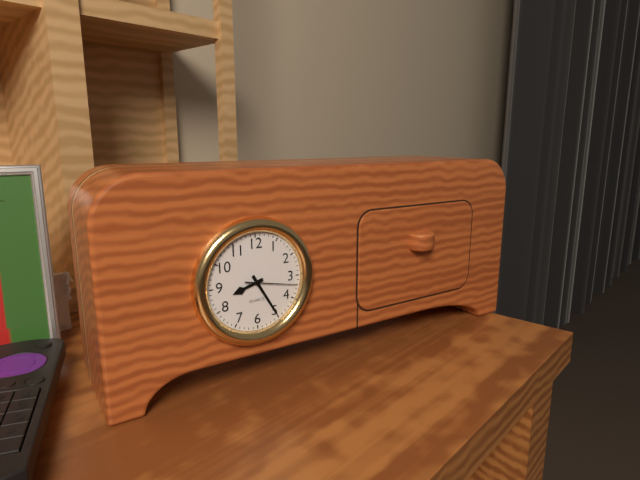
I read 8h25m17s
